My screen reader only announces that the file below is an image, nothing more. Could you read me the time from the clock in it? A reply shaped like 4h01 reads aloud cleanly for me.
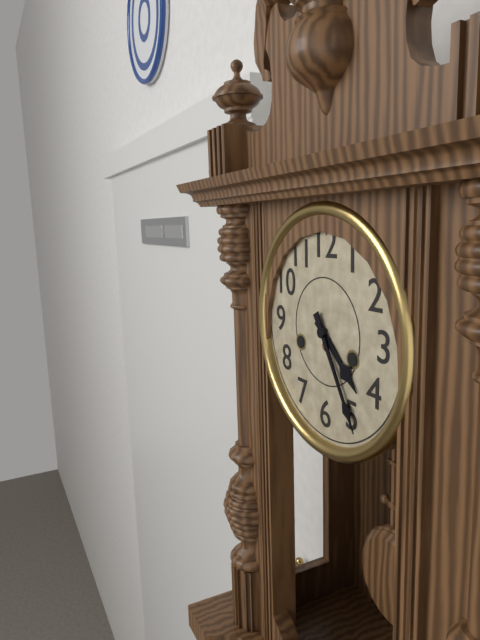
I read 4h25
